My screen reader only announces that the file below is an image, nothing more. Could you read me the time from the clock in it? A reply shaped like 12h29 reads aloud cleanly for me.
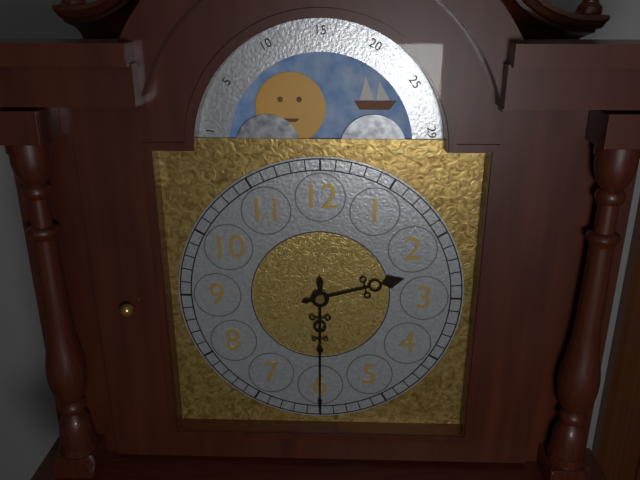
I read 2h30
